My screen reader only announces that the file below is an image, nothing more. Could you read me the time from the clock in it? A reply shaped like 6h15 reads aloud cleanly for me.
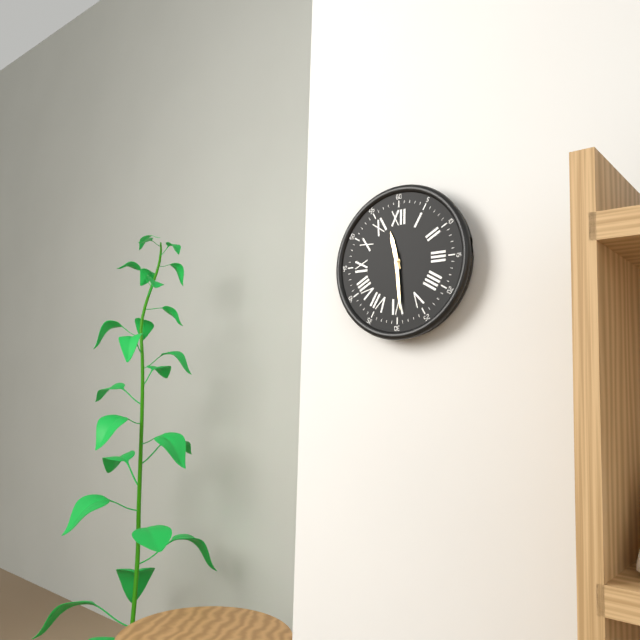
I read 11h29
